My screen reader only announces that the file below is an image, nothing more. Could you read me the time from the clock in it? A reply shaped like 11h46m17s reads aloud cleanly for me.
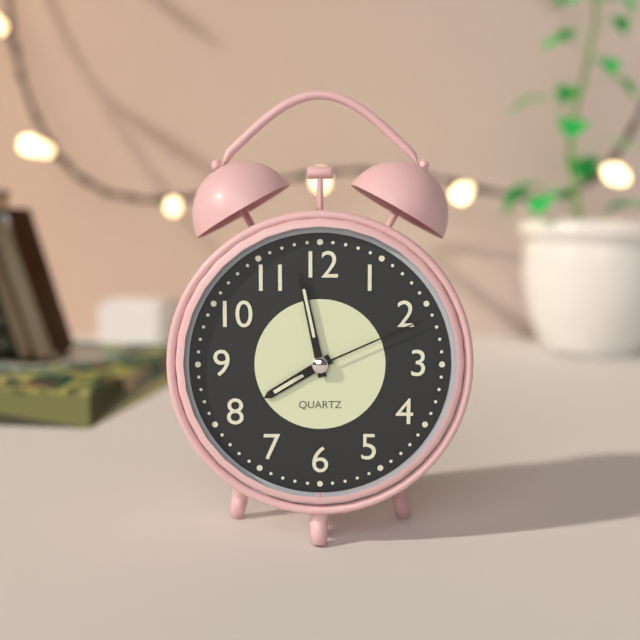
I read 7h58m11s
